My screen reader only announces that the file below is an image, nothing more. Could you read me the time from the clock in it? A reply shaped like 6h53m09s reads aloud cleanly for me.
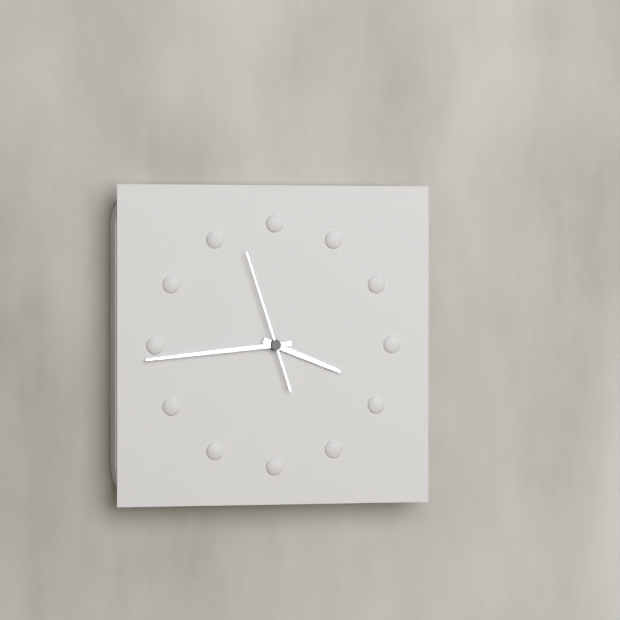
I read 3h44m57s
